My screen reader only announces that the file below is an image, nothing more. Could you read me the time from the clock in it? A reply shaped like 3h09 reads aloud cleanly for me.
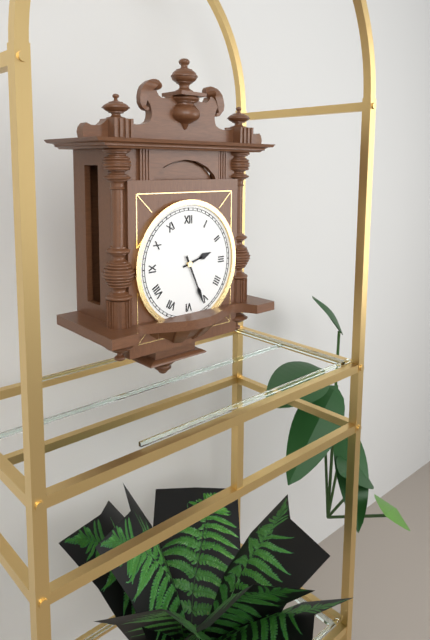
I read 2h26
